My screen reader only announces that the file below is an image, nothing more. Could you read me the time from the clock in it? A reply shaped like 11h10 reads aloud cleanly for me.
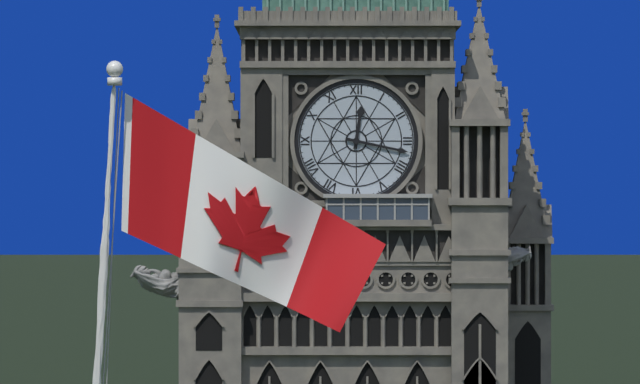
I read 12h17
